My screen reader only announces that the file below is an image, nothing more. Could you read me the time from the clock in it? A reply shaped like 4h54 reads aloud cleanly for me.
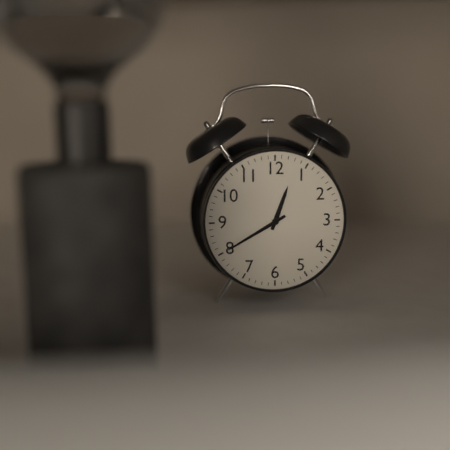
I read 12h40
